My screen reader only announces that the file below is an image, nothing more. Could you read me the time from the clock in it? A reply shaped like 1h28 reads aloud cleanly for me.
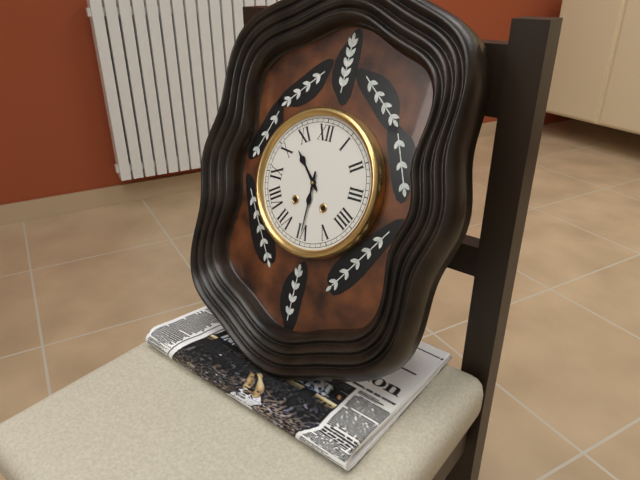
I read 10h30
